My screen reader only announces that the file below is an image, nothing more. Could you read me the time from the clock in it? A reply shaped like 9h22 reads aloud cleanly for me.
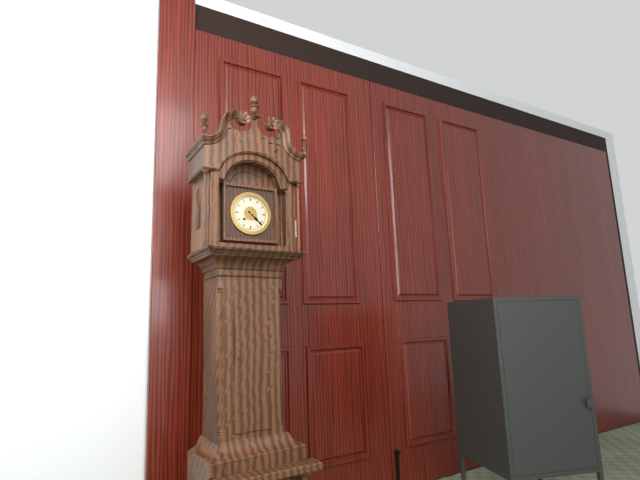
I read 4h22
